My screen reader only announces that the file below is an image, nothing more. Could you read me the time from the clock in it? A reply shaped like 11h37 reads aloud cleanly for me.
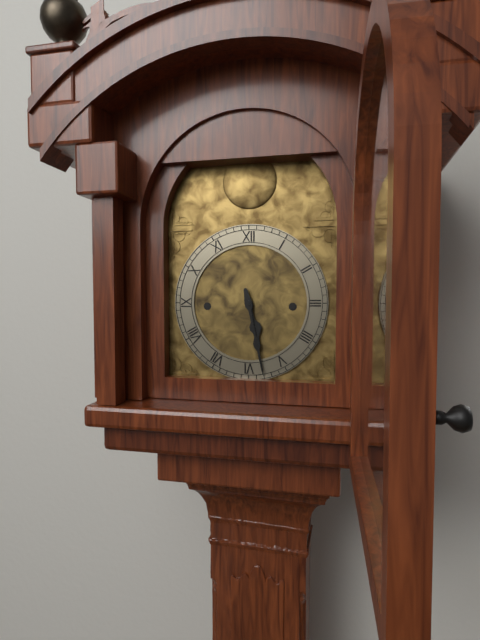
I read 5h28
